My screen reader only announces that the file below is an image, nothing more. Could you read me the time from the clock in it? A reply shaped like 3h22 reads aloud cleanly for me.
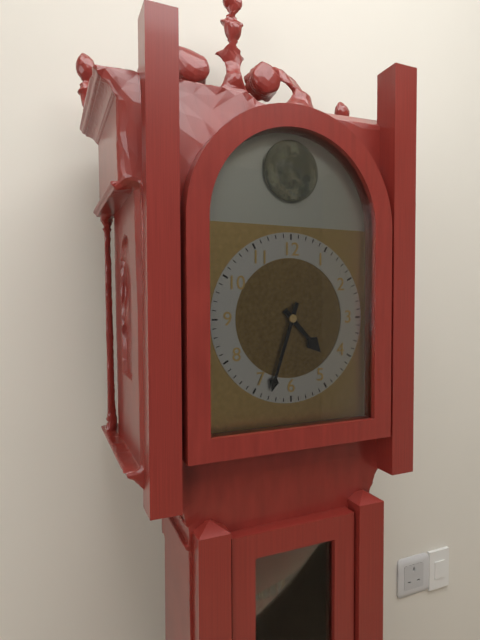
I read 4h33
